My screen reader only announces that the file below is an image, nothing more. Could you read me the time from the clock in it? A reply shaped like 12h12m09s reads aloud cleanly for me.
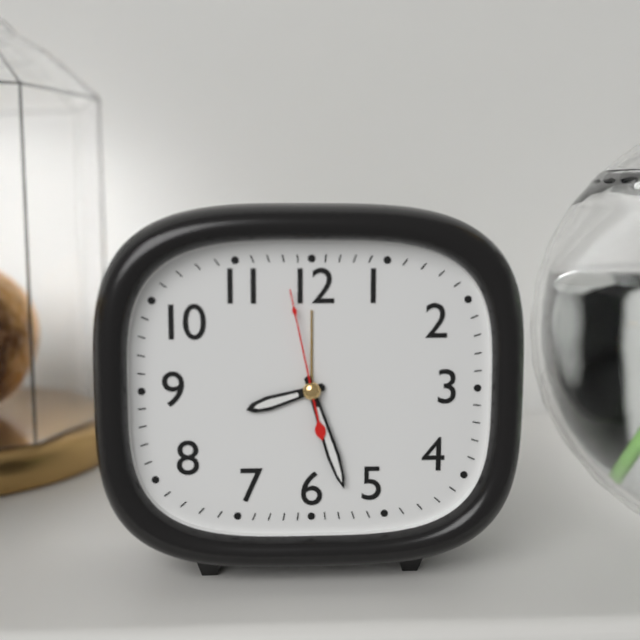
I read 8h27m58s
